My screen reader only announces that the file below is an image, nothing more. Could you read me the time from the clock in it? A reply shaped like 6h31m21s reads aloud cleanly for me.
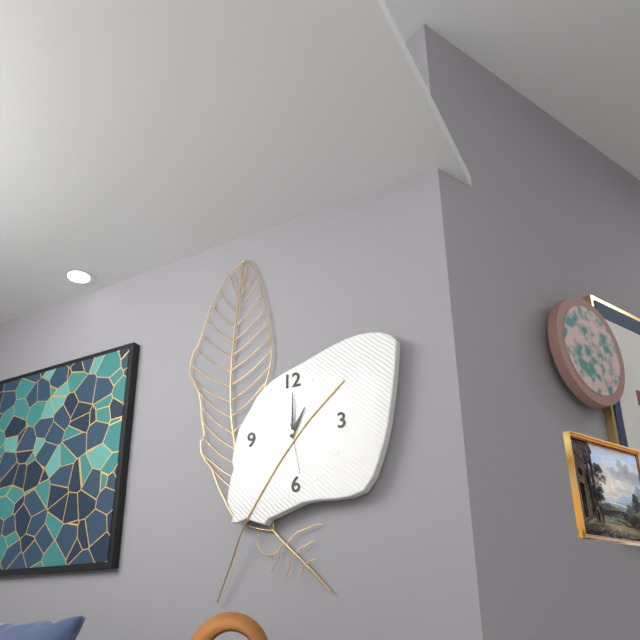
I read 1h00m28s
